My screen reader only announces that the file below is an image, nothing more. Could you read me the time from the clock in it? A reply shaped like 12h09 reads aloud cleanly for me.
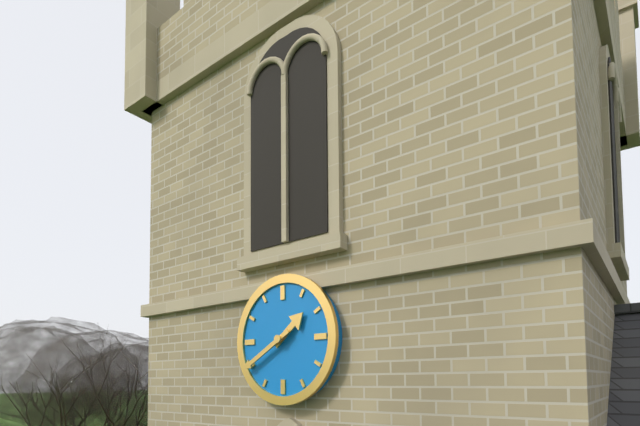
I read 1h40
